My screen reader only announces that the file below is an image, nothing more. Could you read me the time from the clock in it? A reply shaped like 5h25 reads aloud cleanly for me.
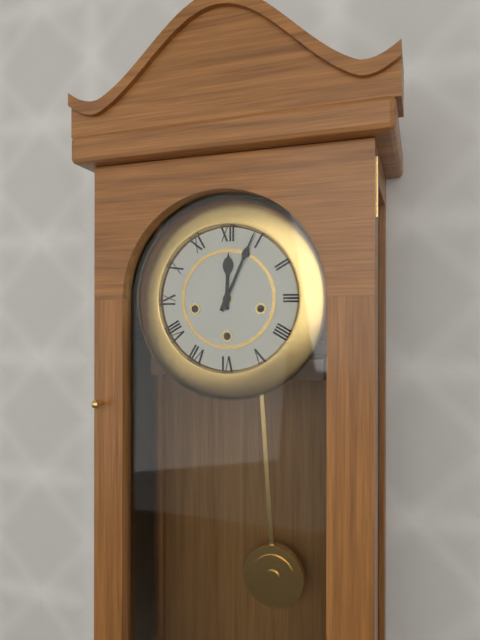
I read 12h04
